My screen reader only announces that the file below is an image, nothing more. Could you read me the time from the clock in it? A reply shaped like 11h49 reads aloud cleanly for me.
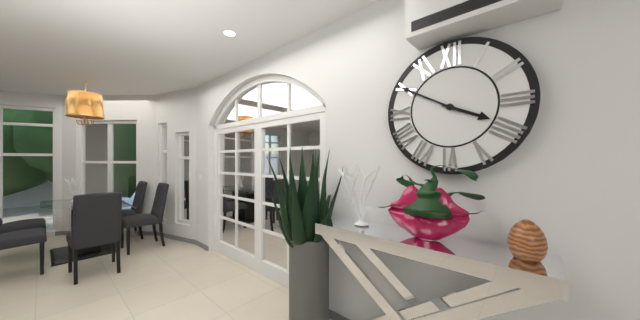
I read 3h50
